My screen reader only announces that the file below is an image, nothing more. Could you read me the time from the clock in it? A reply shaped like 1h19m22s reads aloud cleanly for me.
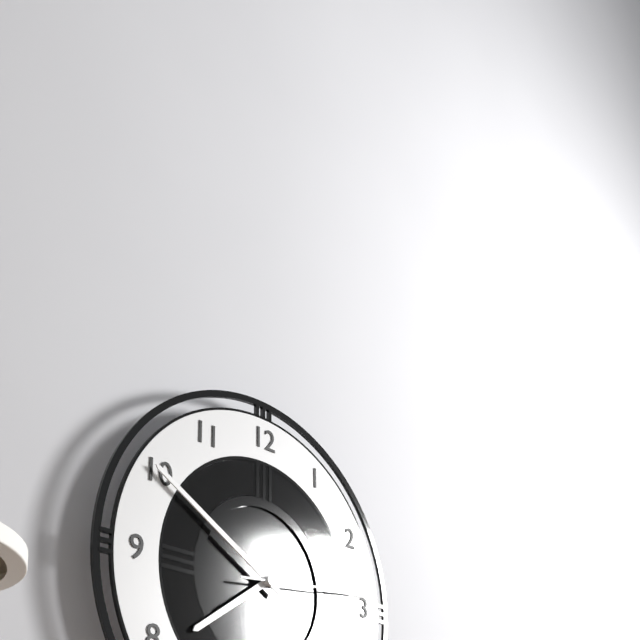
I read 7h50m14s
